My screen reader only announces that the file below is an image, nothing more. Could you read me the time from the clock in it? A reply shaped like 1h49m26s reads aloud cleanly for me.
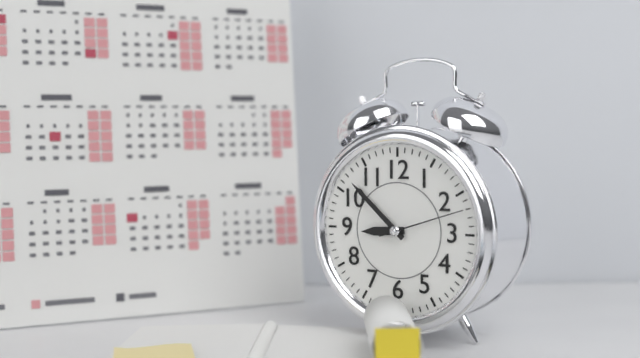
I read 8h52m12s
